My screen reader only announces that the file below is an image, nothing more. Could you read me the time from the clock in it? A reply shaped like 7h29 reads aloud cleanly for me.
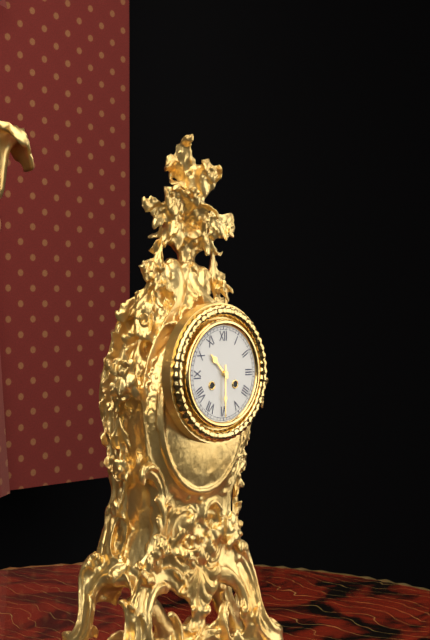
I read 10h30
